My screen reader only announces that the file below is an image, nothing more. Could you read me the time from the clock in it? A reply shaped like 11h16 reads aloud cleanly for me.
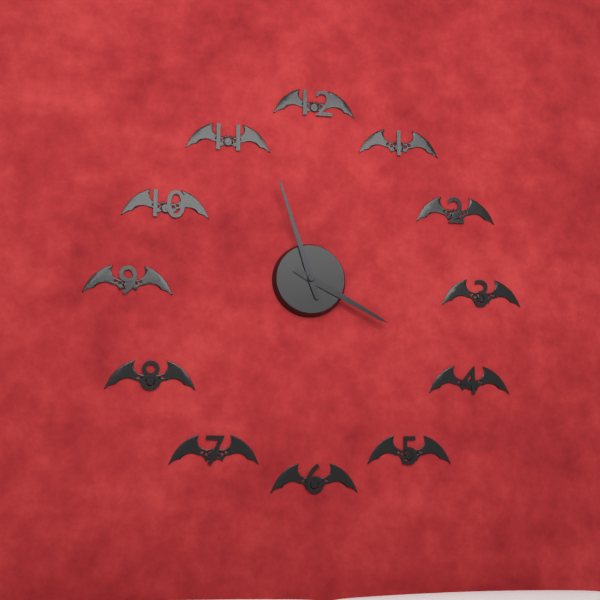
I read 3h57
